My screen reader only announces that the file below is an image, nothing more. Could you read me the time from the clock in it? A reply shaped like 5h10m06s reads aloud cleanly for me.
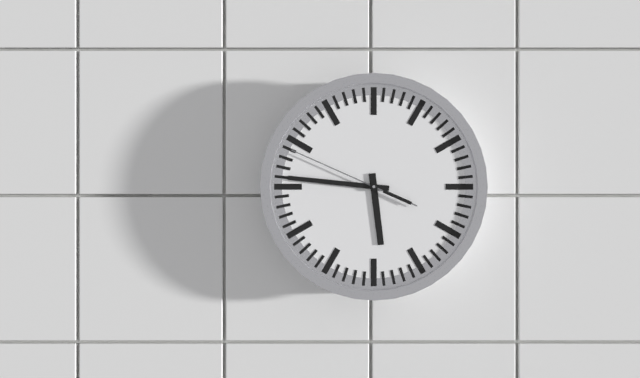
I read 5h46m49s
